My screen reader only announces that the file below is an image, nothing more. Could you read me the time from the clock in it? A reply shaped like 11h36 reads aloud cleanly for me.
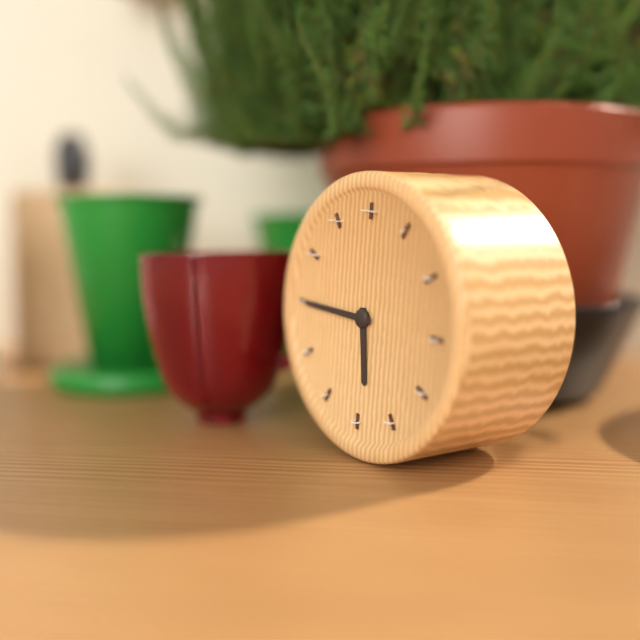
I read 5h45
